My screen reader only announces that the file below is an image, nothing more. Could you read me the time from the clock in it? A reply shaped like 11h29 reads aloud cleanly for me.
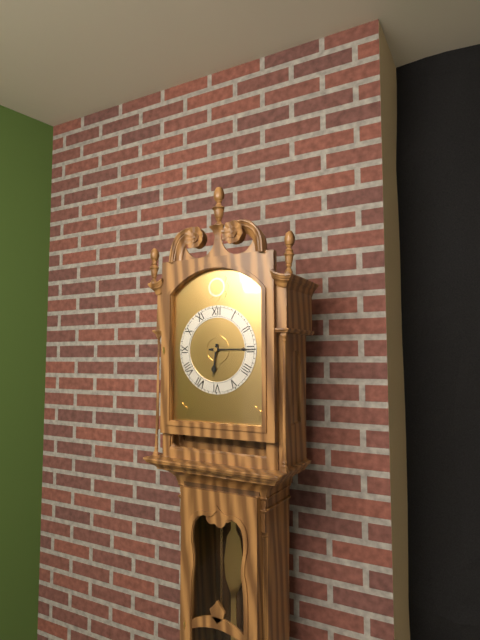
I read 6h15
